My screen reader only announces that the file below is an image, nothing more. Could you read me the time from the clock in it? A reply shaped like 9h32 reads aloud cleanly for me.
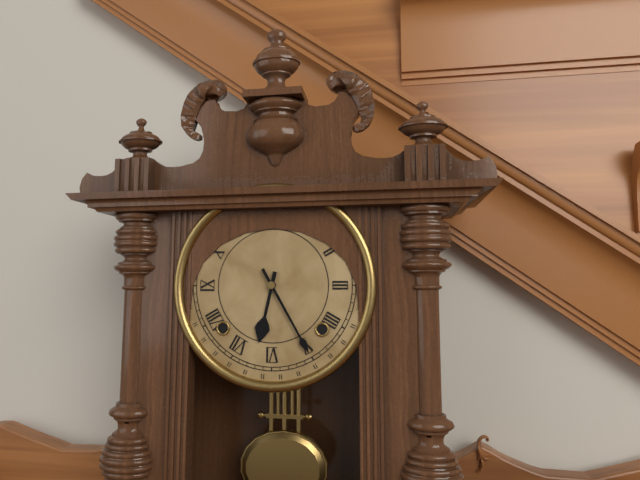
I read 6h25
